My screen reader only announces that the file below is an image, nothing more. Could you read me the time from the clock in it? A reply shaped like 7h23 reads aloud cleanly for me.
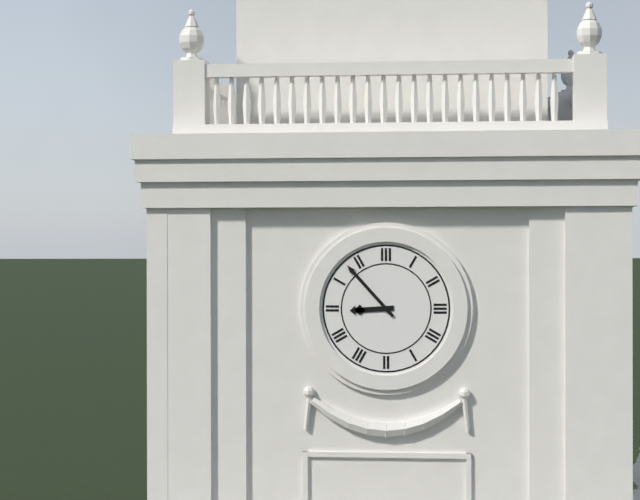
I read 8h53
